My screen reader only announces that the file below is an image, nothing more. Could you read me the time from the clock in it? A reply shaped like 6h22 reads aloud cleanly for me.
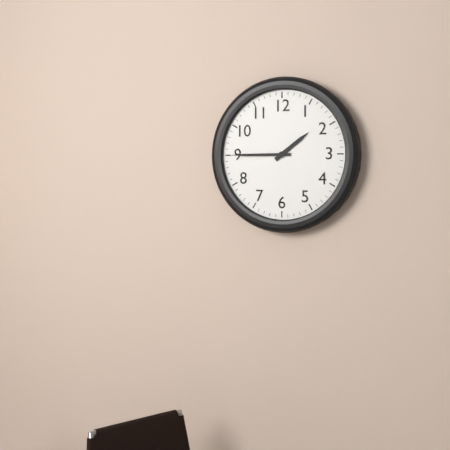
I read 1h45
